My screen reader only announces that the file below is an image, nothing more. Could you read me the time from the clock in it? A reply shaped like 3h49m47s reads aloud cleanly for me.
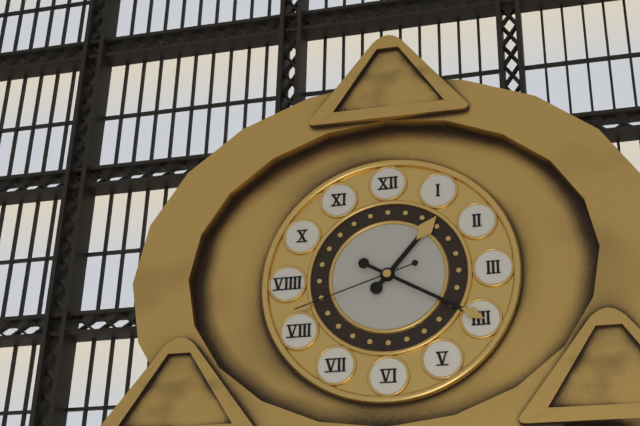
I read 1h20m42s
